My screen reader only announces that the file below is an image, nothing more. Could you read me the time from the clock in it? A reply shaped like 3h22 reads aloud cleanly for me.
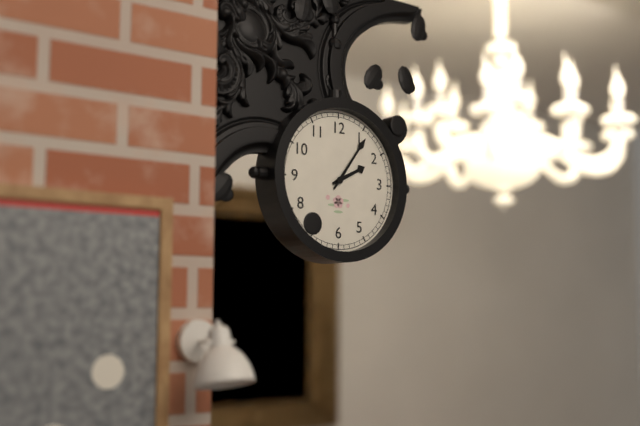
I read 2h06
